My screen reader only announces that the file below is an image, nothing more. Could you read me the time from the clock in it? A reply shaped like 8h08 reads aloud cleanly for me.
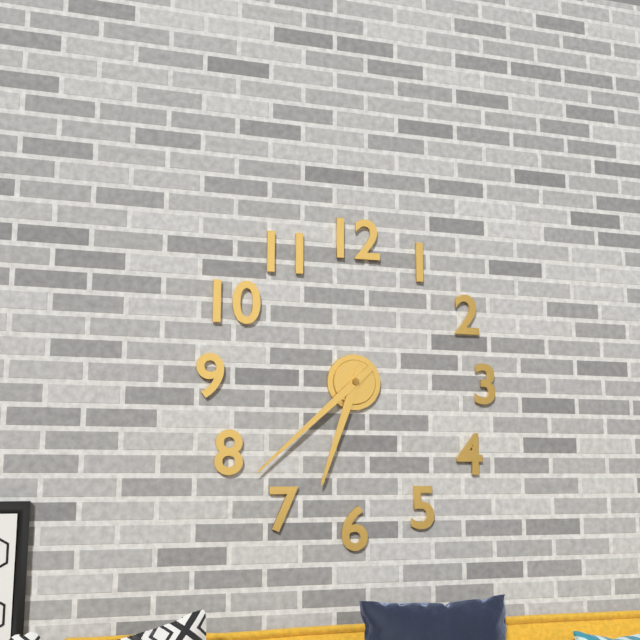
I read 6h38
